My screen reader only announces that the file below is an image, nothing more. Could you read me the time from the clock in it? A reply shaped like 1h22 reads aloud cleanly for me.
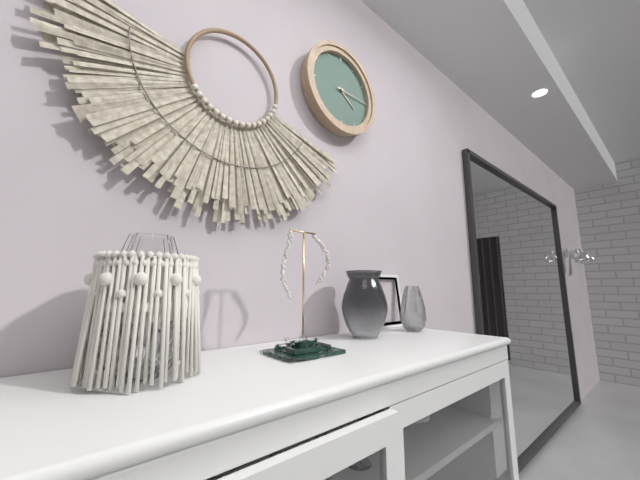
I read 4h15
